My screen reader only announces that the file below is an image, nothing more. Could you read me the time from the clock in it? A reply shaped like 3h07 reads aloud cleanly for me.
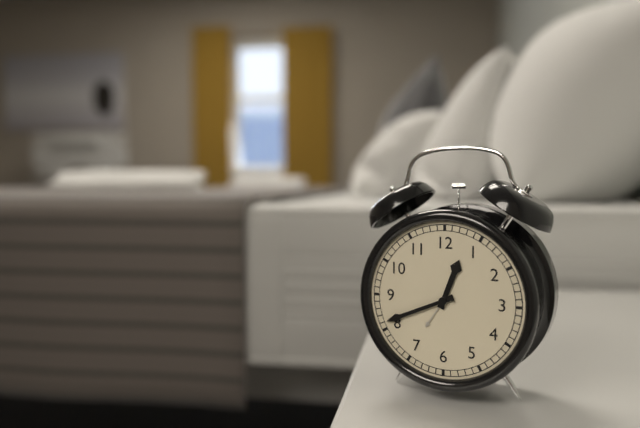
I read 12h41
